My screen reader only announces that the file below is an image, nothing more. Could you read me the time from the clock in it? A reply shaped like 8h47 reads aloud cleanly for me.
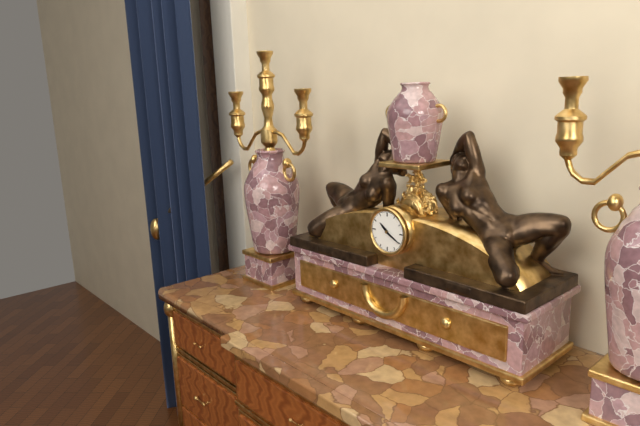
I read 10h20
